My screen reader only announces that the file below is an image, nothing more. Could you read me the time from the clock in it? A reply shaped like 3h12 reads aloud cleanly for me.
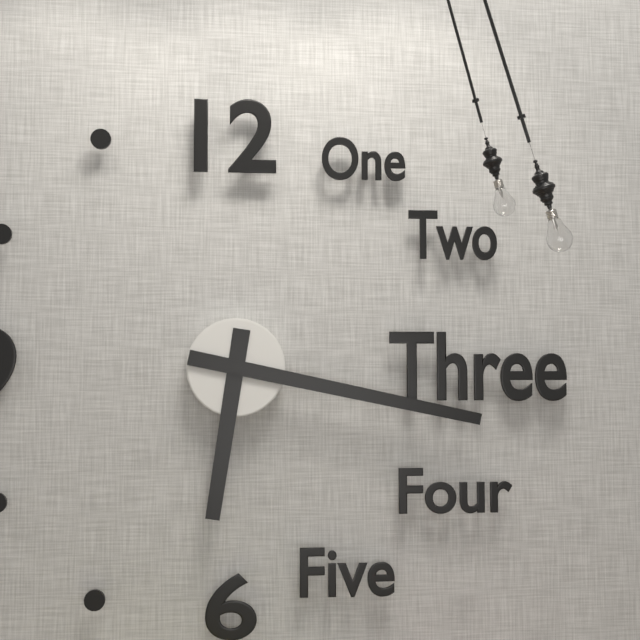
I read 6h17
